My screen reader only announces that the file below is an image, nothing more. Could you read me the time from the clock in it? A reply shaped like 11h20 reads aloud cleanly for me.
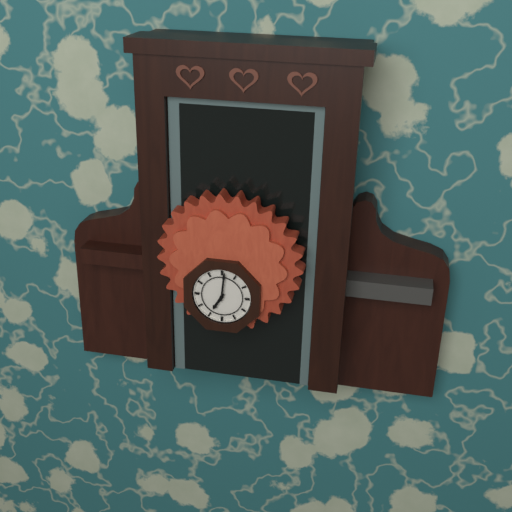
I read 7h01
